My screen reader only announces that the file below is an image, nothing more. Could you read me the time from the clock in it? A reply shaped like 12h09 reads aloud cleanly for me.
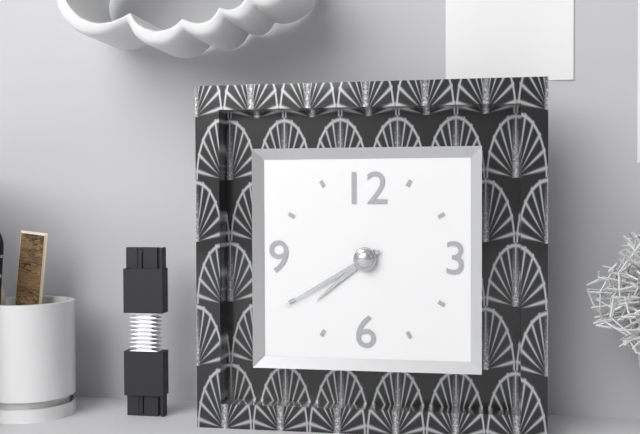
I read 7h40
